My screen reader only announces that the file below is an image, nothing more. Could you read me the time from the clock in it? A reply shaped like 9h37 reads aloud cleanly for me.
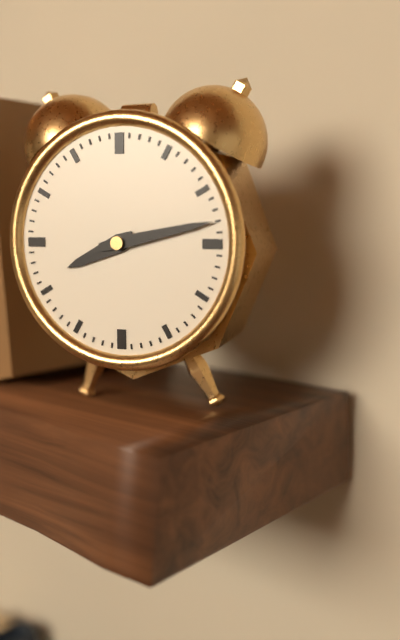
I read 8h13
